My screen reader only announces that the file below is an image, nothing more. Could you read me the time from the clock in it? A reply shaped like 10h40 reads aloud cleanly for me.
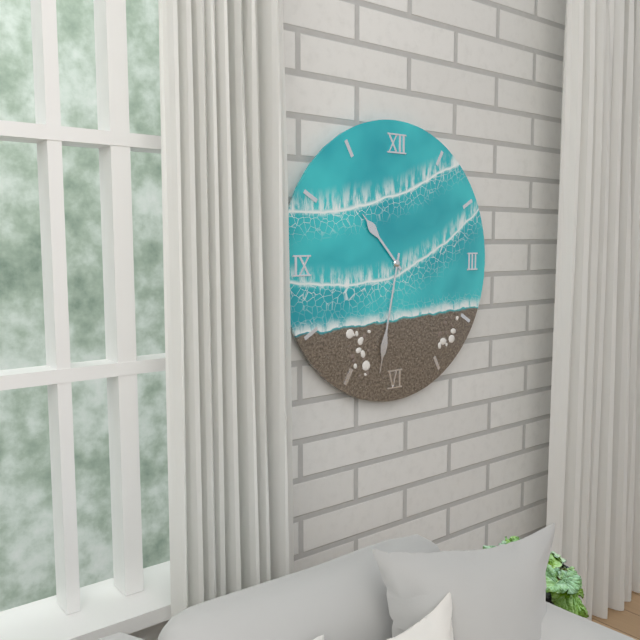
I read 10h32
